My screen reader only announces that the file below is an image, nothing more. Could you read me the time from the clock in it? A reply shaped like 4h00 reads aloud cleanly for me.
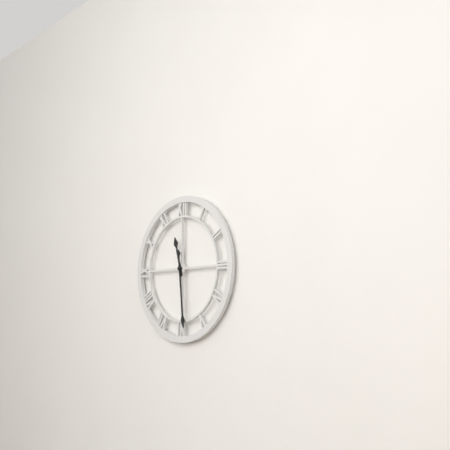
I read 11h29
